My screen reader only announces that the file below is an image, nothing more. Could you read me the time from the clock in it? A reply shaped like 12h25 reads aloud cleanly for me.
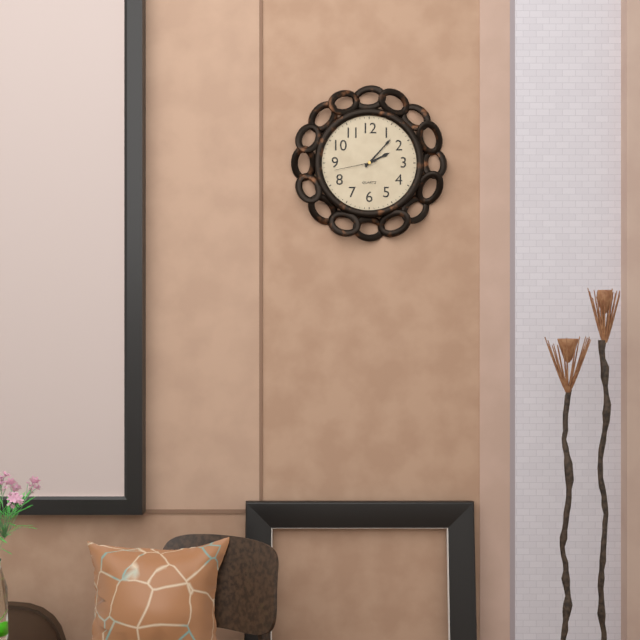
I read 2h07
